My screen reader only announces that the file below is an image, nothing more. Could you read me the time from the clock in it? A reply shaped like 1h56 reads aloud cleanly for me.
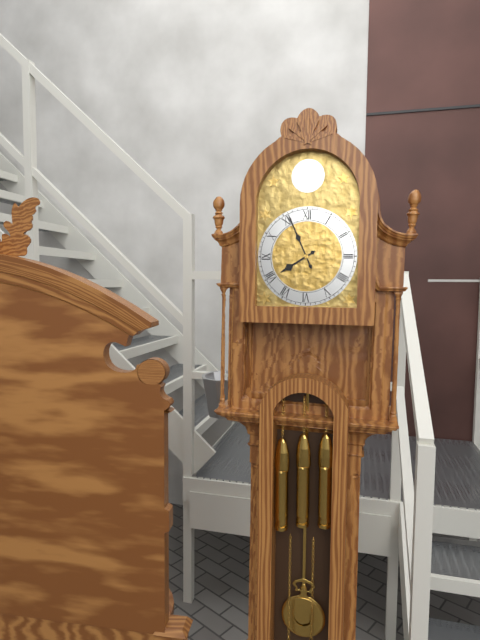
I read 7h56
